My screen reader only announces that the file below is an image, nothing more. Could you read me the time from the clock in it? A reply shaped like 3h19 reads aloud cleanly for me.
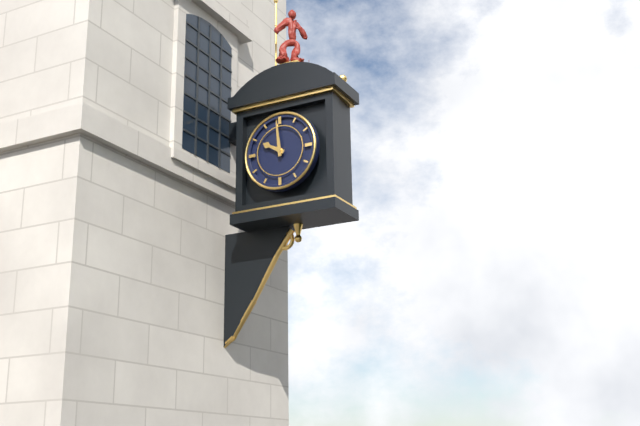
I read 9h59
